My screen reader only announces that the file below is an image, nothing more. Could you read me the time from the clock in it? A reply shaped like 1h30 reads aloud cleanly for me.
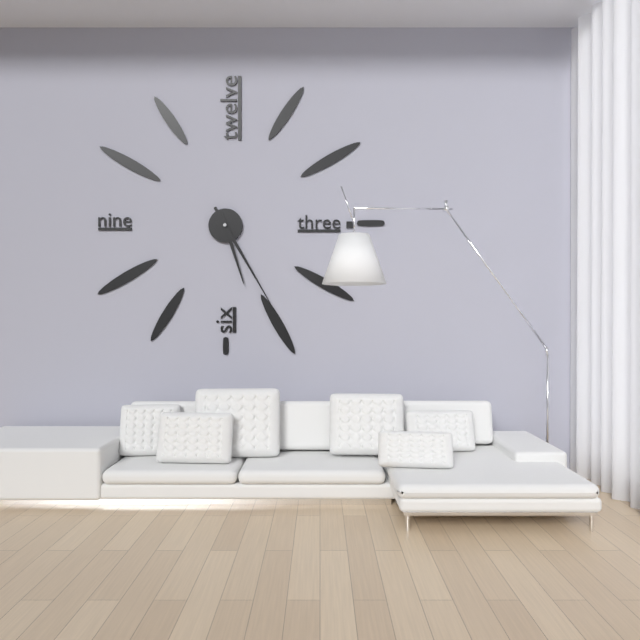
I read 5h25
